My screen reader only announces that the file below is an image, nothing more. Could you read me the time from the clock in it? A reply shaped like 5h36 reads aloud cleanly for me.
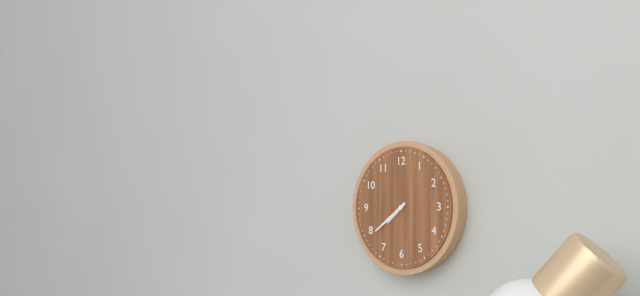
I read 7h39
